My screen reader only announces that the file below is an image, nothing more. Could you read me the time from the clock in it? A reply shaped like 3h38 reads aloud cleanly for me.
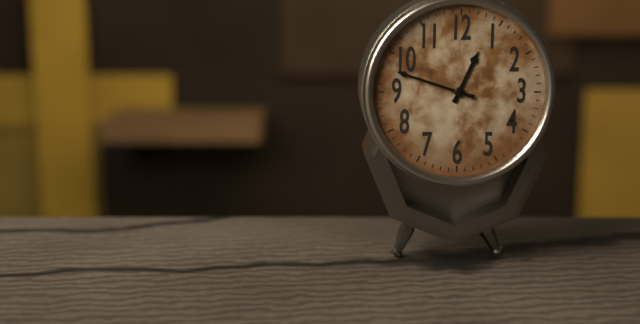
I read 12h48
